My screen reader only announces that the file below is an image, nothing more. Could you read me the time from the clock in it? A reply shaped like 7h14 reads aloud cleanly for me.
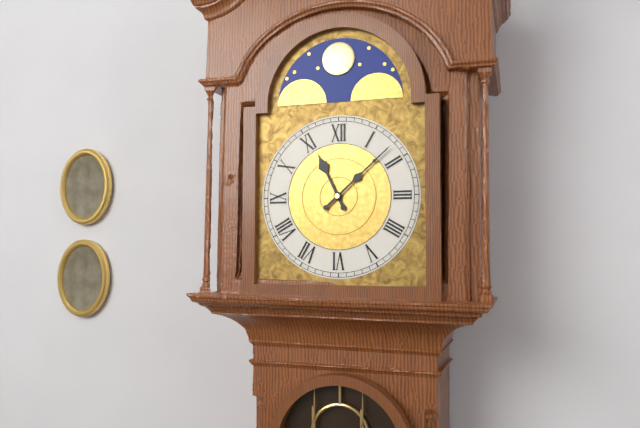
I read 11h08
